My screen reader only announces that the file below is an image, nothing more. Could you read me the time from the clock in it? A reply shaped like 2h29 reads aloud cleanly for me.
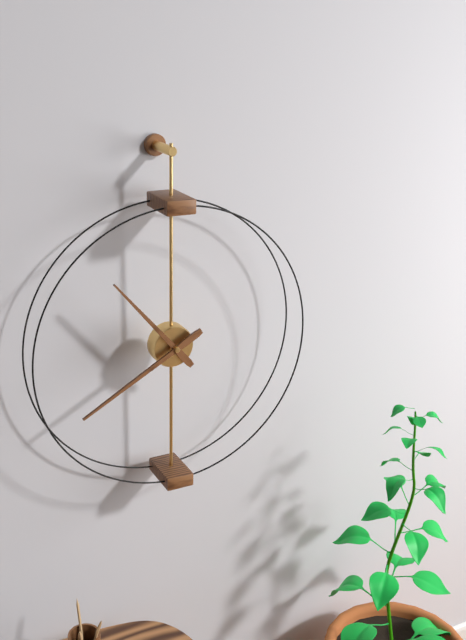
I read 10h40
